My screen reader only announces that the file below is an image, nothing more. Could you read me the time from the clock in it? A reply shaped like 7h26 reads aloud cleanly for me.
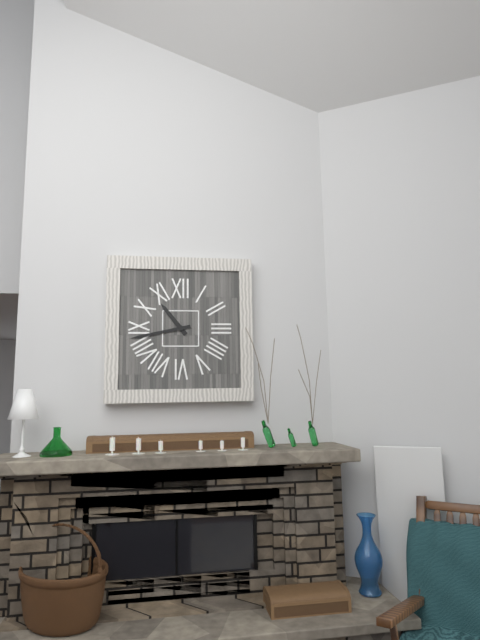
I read 10h43
